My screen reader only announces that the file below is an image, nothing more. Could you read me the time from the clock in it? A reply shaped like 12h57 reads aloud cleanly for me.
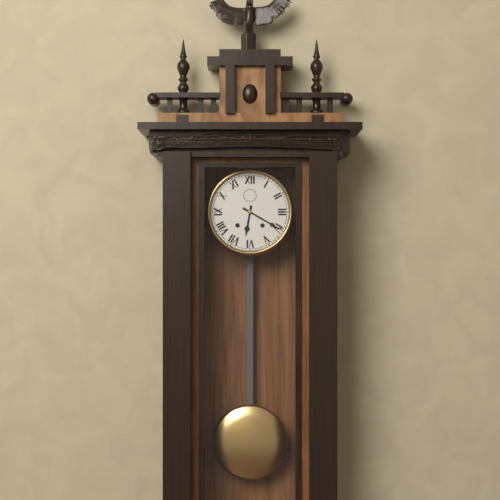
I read 6h20
